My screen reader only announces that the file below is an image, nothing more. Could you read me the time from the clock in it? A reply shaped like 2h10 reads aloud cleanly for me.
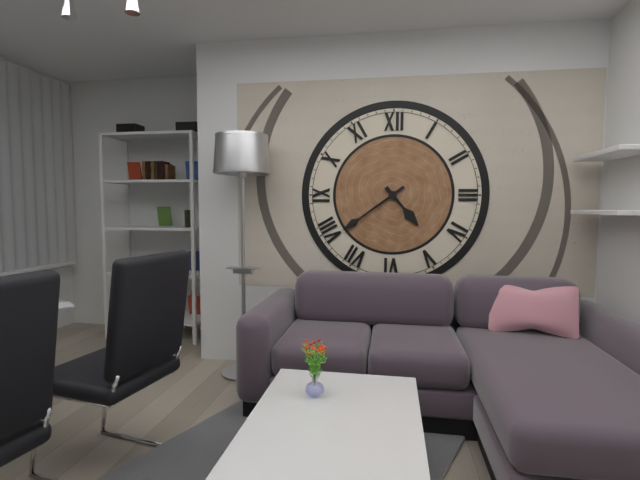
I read 4h39
